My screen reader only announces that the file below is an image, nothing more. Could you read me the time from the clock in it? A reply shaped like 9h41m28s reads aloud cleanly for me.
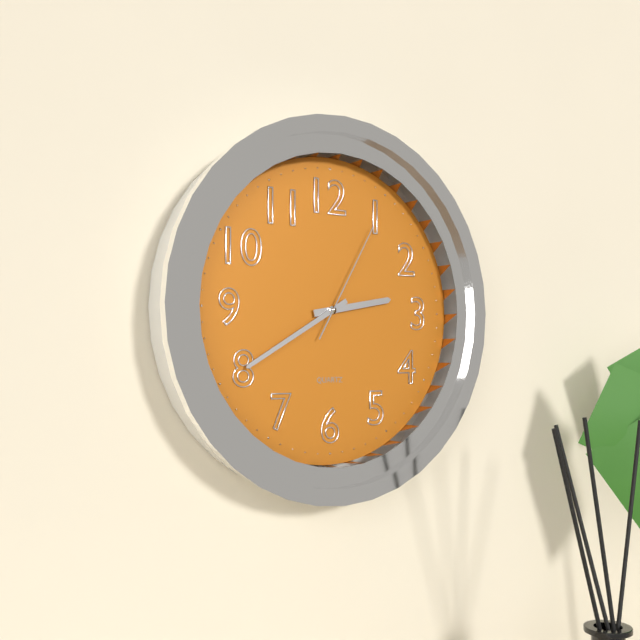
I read 2h40m05s
